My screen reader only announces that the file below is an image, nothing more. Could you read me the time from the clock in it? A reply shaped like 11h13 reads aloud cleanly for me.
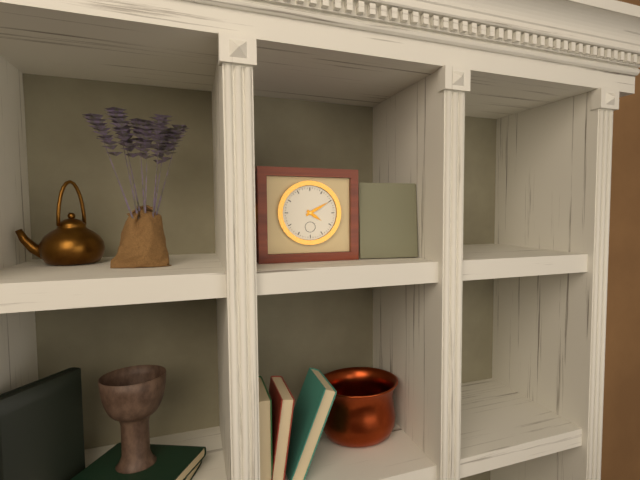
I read 4h10
